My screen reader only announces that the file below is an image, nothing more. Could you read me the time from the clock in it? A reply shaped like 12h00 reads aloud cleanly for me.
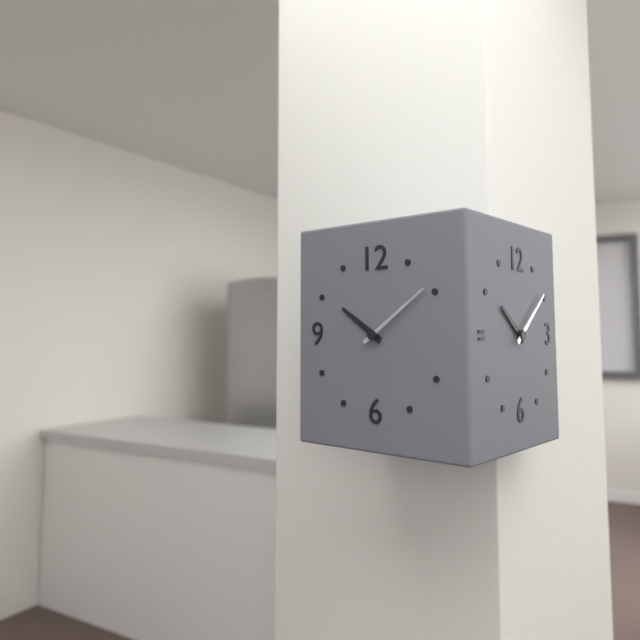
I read 10h09
